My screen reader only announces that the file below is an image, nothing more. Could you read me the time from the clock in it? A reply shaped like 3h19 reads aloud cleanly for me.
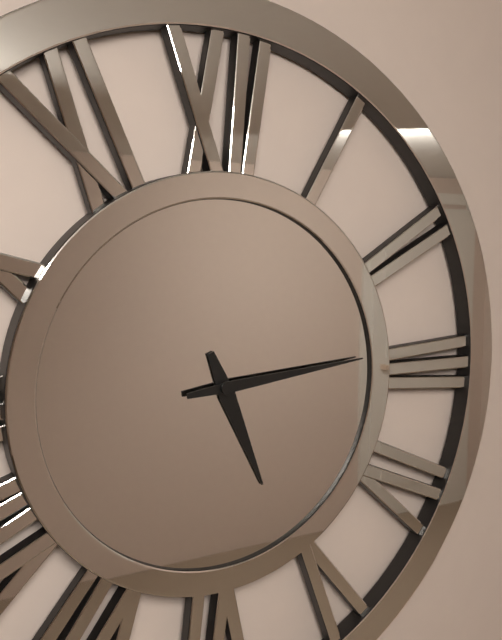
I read 5h14
